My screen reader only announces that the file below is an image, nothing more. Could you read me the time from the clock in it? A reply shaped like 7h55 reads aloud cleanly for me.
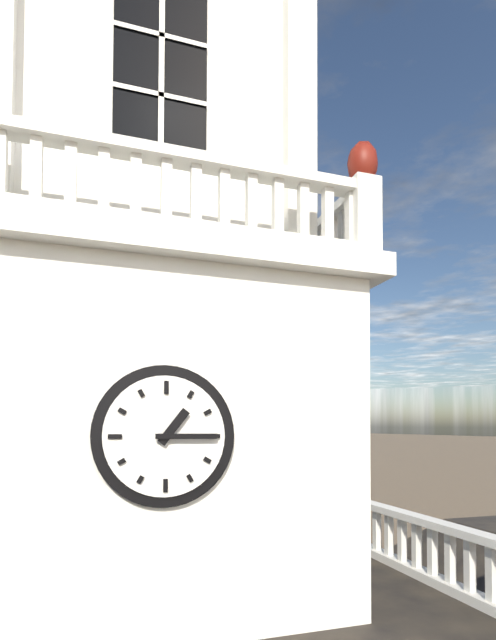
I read 1h15
